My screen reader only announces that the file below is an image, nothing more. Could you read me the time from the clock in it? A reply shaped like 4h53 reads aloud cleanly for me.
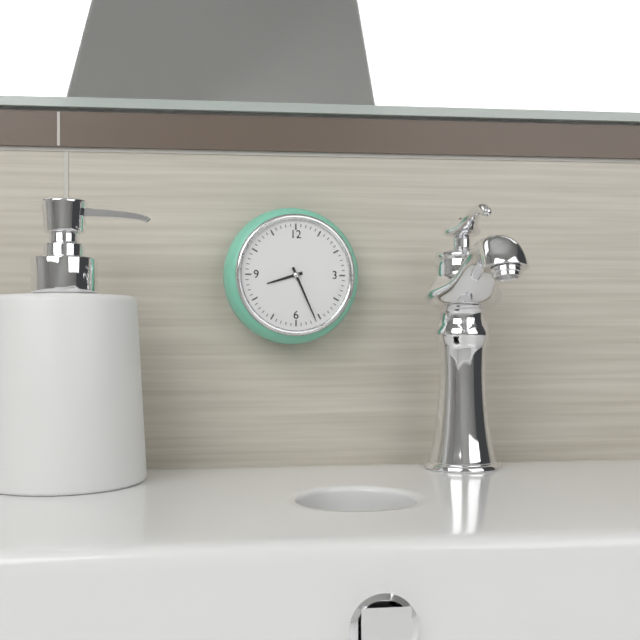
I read 8h26
